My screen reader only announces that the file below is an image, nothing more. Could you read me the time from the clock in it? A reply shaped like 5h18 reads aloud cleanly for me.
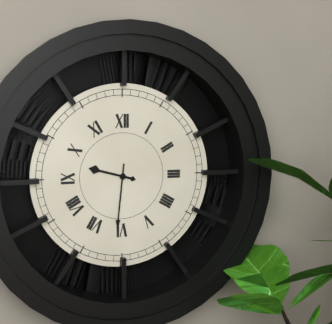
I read 9h31
